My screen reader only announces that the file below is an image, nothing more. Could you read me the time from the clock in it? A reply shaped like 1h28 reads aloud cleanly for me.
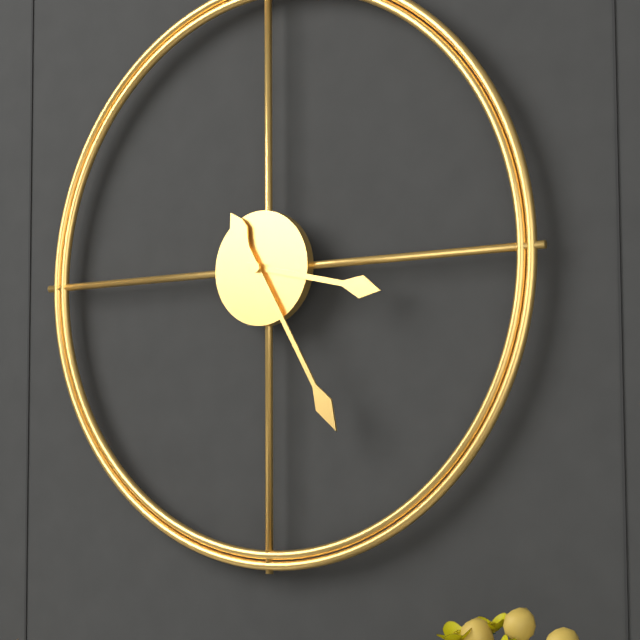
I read 3h25
